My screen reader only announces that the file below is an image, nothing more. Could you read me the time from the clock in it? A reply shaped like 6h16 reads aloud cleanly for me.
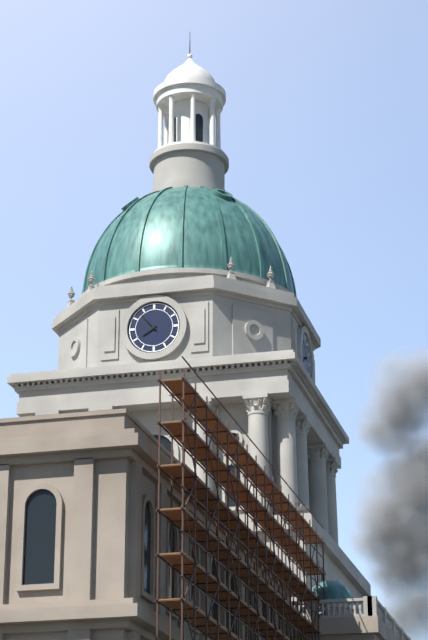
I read 7h53
